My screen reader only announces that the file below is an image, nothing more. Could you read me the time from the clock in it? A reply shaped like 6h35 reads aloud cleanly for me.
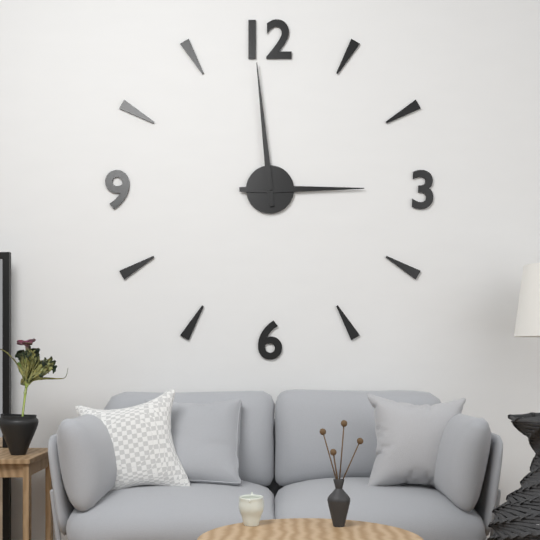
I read 2h59
